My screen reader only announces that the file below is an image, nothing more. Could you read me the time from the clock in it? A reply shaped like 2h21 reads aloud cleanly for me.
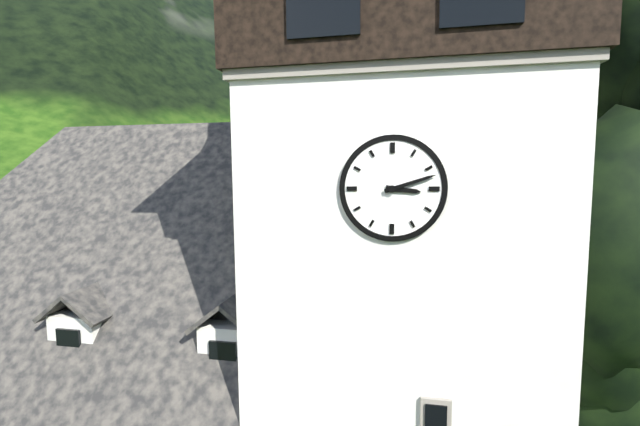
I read 3h12
